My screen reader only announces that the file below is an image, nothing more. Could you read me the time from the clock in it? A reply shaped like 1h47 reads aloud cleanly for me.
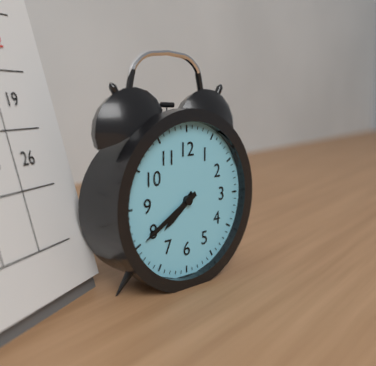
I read 7h40
